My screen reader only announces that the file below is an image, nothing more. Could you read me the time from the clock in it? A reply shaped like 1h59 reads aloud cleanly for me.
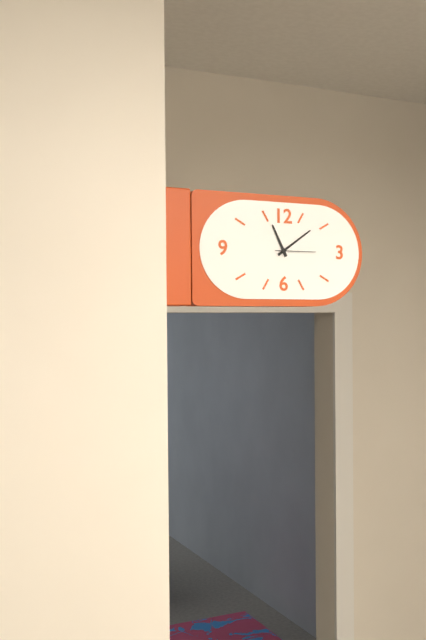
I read 11h09
